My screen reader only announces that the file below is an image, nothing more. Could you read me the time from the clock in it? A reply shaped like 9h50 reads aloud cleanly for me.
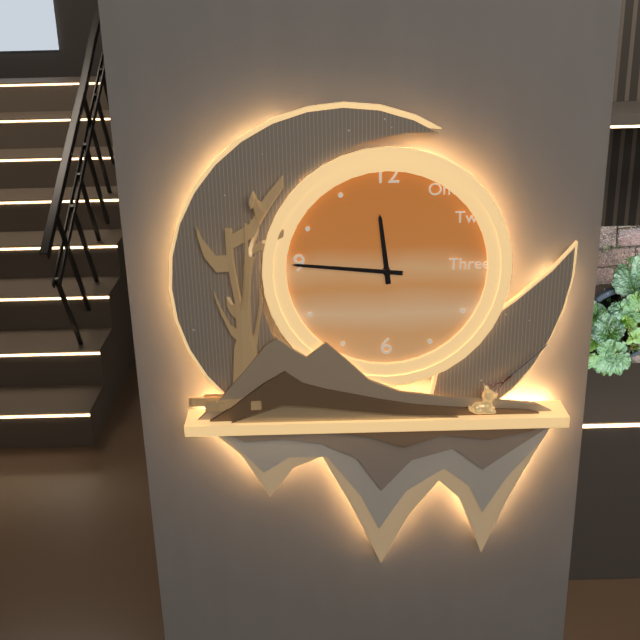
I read 11h46
